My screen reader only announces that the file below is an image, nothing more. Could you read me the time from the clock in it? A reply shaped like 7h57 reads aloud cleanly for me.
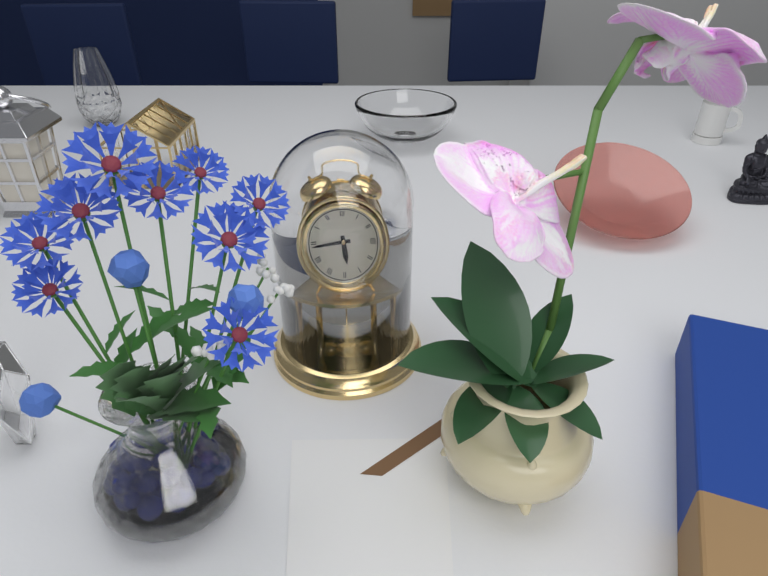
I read 5h44
